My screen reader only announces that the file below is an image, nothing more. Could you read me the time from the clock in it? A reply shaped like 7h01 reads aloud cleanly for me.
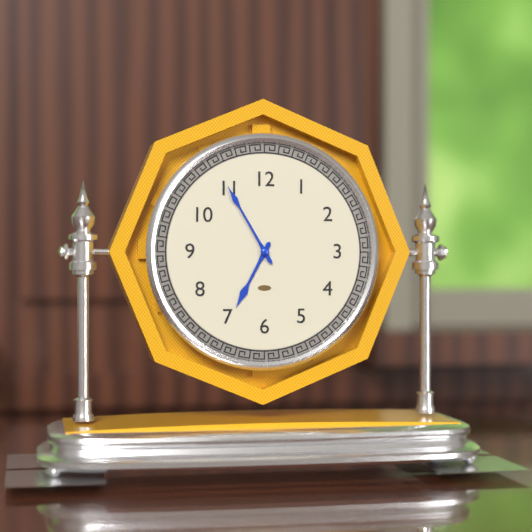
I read 6h55
